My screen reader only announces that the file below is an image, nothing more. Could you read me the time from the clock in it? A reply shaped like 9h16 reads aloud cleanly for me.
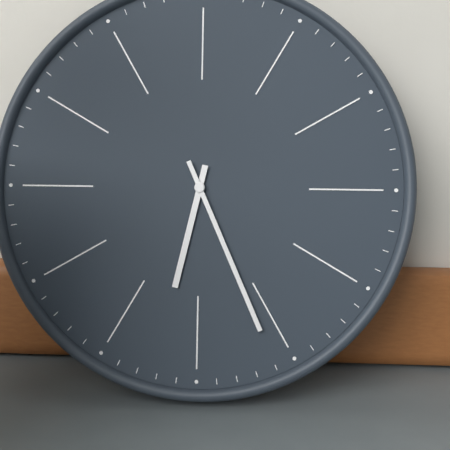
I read 6h26
